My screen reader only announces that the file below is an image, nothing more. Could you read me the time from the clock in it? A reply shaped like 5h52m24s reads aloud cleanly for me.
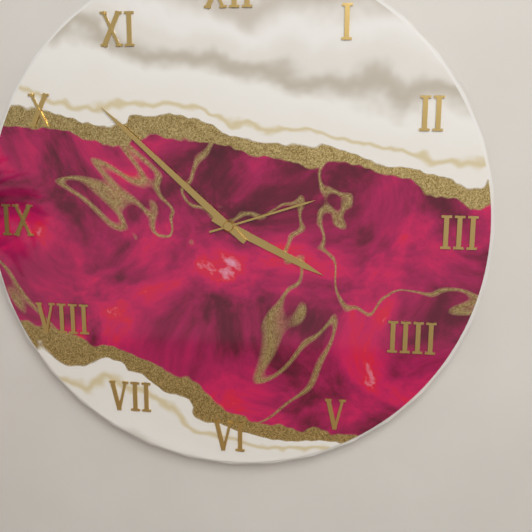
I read 3h52m12s
